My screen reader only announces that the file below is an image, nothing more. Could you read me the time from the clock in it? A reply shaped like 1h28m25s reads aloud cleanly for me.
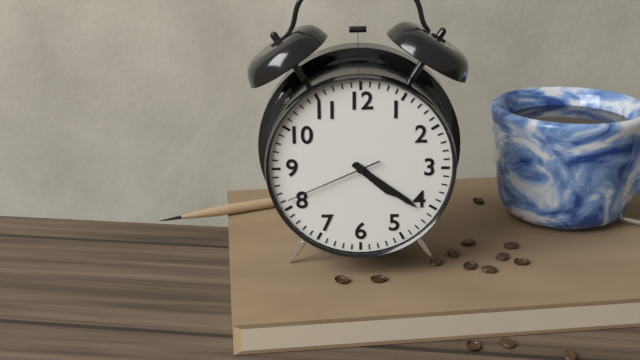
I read 4h21m41s
